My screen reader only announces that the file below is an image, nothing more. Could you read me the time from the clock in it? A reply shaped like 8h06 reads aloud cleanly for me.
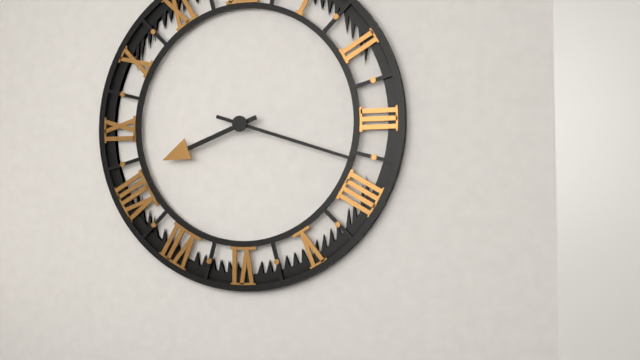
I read 8h18
